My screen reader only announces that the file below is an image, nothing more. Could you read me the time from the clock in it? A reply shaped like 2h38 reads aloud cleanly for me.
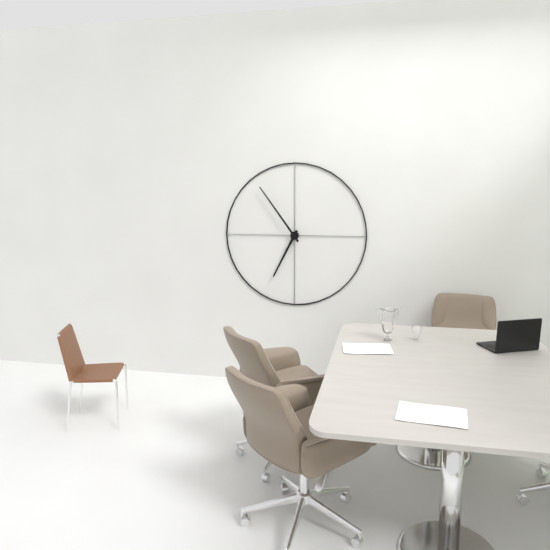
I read 6h54
